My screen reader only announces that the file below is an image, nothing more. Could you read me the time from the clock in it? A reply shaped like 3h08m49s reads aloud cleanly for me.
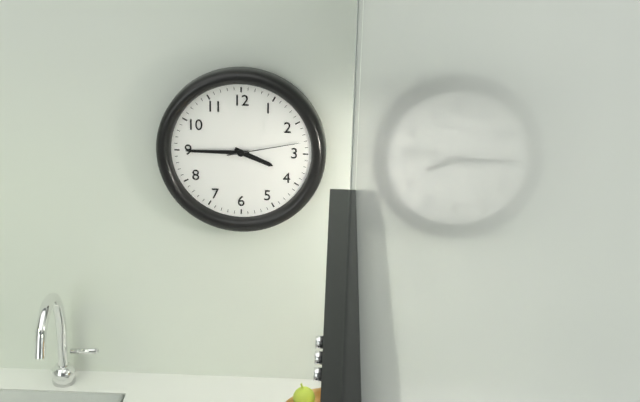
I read 3h45m13s
